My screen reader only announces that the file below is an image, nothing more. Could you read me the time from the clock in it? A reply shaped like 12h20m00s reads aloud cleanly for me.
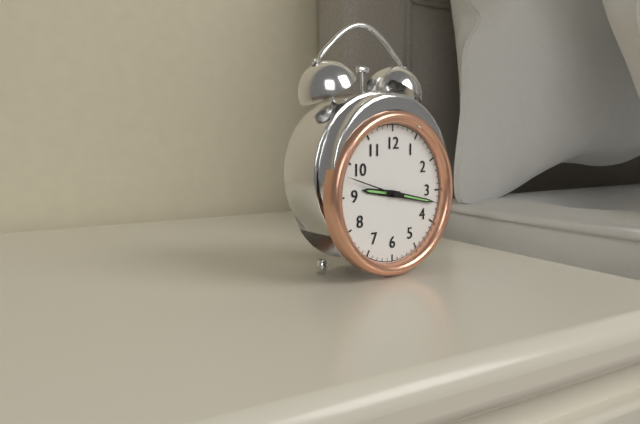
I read 9h17m48s
